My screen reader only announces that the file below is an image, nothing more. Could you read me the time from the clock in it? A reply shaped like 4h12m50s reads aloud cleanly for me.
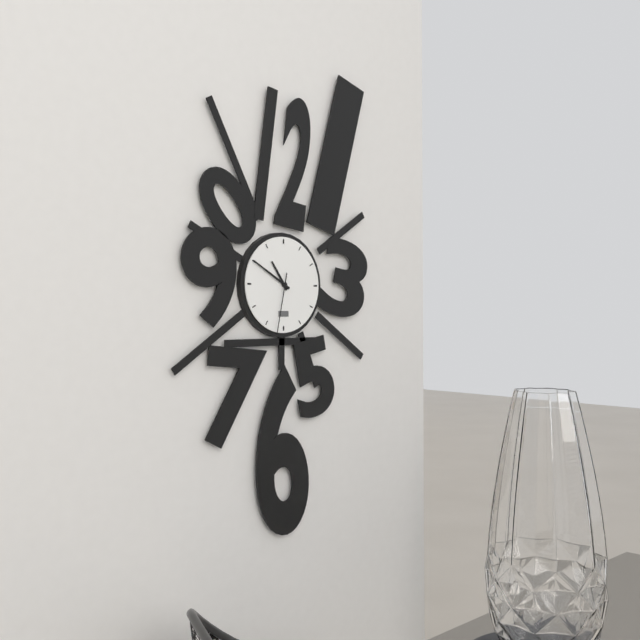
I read 10h50m32s
